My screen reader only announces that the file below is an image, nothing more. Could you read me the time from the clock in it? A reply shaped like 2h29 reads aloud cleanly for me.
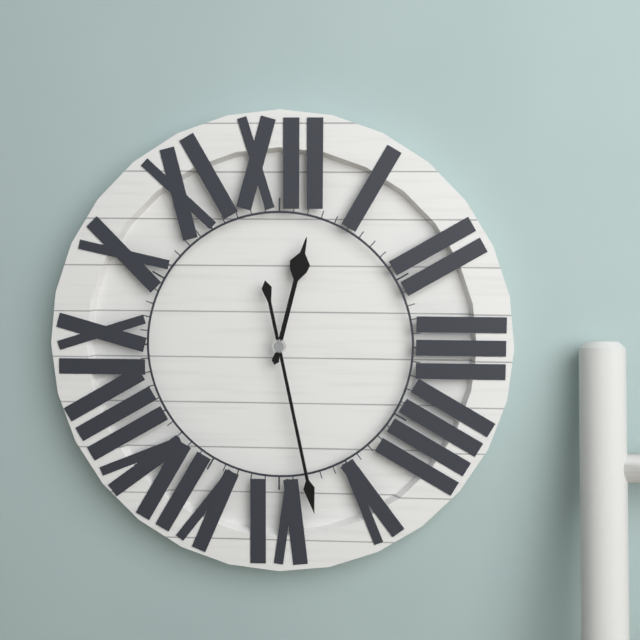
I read 12h28
